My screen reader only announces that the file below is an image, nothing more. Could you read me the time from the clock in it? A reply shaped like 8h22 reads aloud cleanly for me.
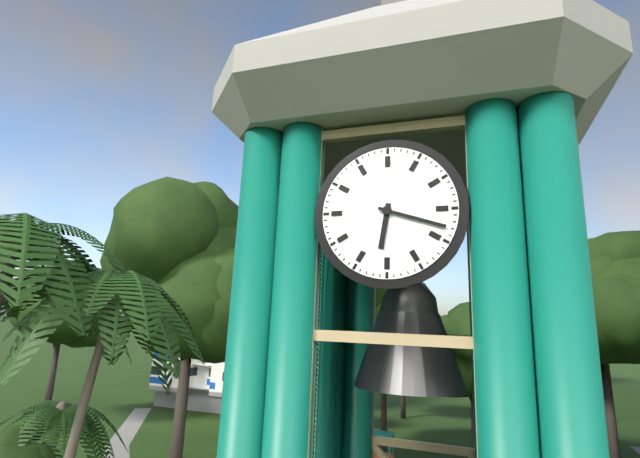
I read 6h18
